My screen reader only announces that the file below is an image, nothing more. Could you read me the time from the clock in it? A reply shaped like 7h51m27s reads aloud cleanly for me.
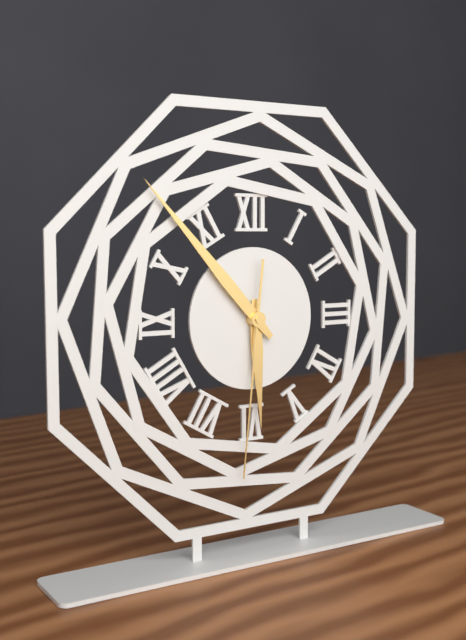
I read 5h53m31s
